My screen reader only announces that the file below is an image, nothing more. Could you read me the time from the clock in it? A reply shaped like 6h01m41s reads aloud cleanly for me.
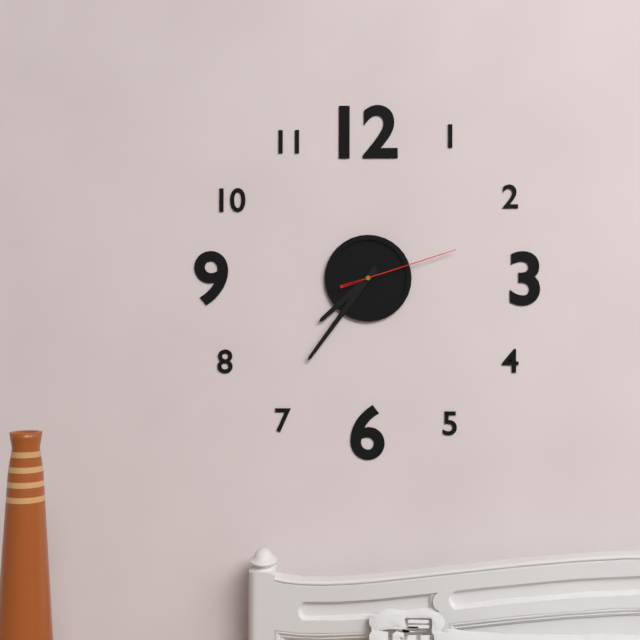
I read 7h36m12s
